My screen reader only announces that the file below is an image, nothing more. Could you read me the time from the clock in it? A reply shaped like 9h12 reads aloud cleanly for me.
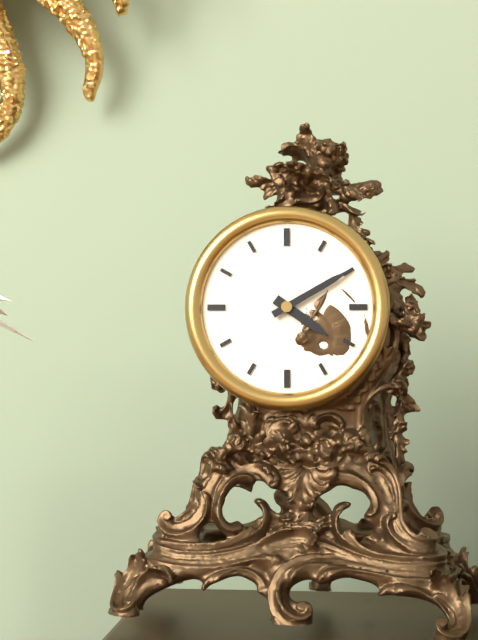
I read 4h10
